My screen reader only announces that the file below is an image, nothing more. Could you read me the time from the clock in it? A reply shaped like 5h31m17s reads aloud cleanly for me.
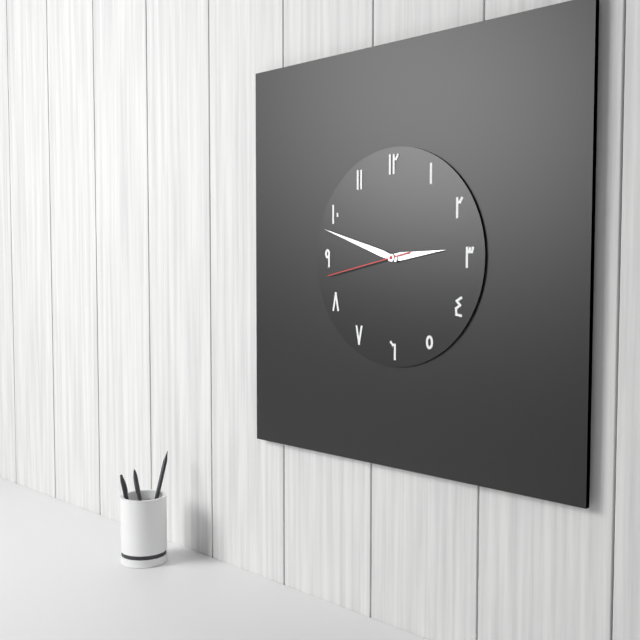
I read 2h48m43s
